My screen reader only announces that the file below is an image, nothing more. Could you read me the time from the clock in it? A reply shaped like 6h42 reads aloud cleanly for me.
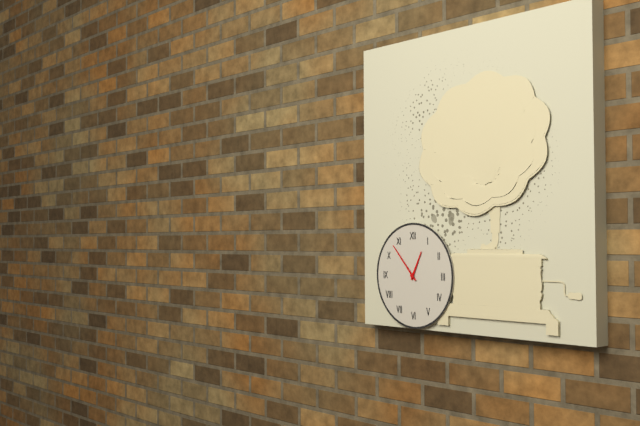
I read 12h53
